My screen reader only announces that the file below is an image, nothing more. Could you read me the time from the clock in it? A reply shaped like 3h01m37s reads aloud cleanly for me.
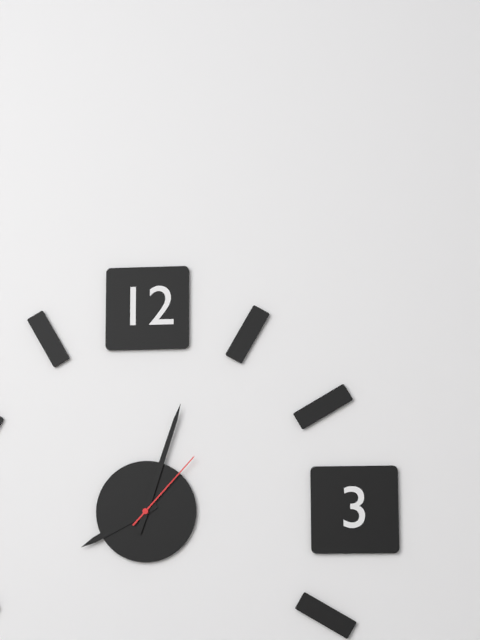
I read 8h03m07s
